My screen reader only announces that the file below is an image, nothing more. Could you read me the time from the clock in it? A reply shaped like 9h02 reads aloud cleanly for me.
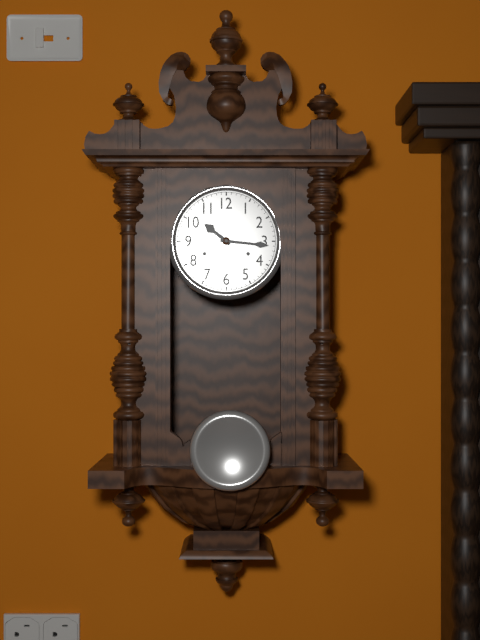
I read 10h16
